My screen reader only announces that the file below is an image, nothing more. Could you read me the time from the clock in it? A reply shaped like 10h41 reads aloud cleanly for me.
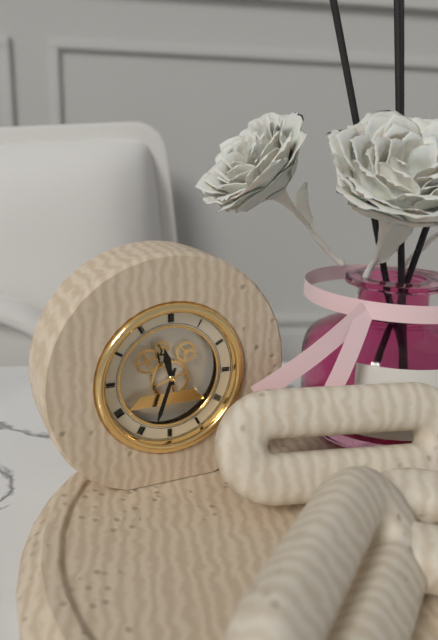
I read 11h33
